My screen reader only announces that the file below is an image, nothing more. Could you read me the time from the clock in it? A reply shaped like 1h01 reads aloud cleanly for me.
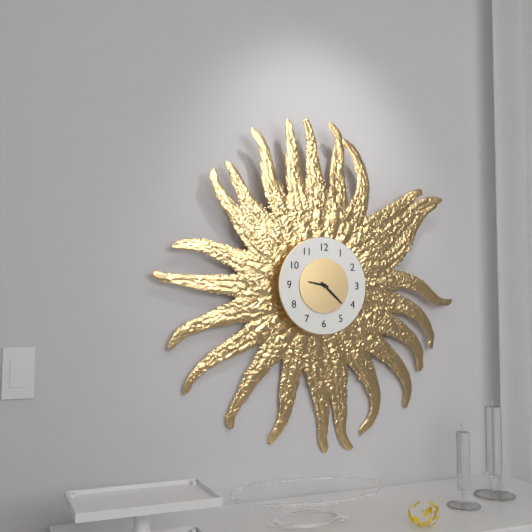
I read 9h22
